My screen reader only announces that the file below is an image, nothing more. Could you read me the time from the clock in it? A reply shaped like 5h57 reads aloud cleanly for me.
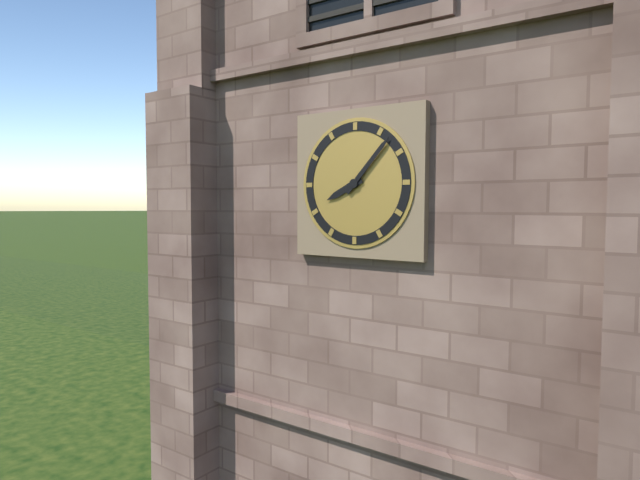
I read 8h07
